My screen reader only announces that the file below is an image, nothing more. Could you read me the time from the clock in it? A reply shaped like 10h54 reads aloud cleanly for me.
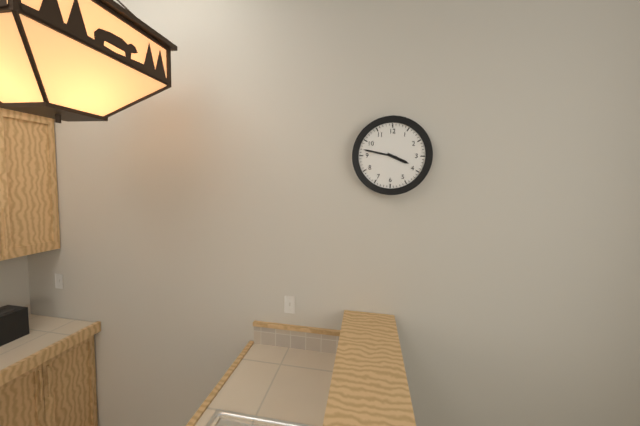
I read 3h47
